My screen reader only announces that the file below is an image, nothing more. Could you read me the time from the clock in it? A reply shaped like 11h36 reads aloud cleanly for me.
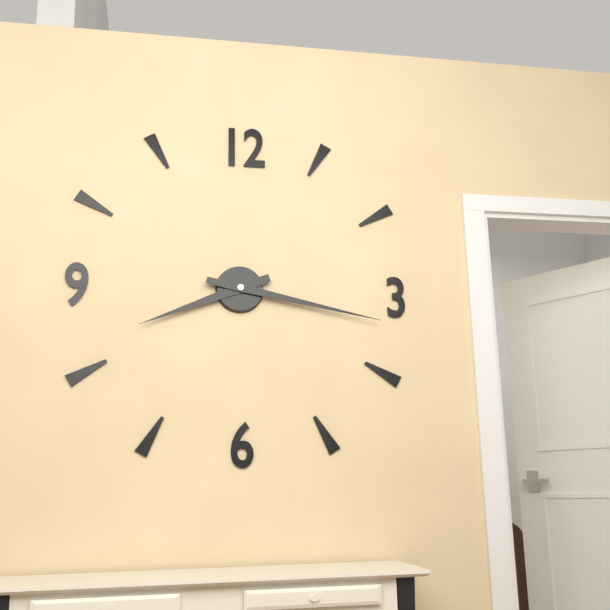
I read 8h17
